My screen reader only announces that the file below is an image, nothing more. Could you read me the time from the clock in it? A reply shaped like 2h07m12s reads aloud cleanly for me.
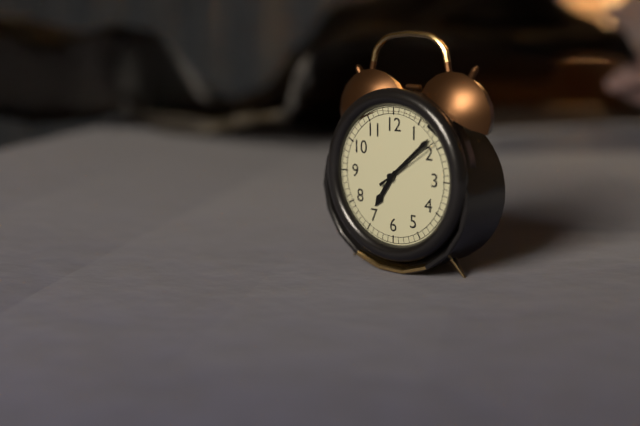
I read 7h08m09s
